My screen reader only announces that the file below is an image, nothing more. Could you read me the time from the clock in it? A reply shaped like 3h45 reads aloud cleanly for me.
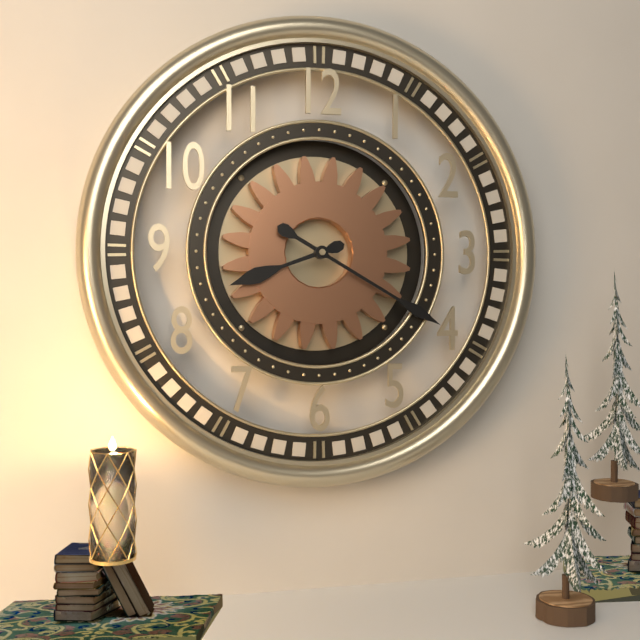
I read 8h20
